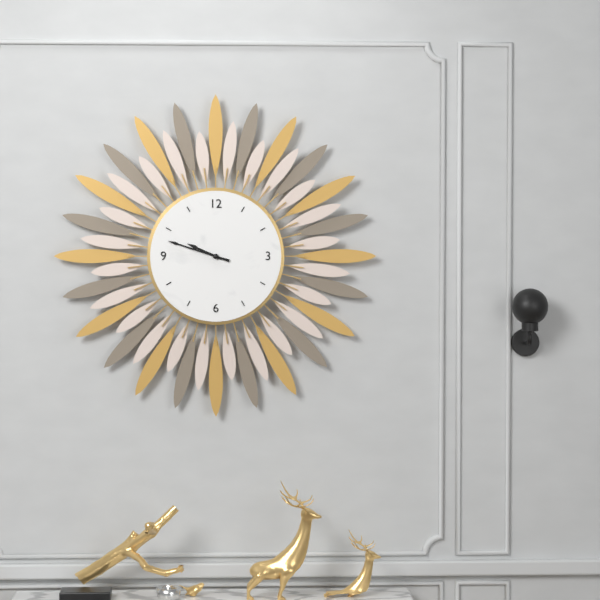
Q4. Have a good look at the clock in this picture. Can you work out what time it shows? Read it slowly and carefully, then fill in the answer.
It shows 9:48
